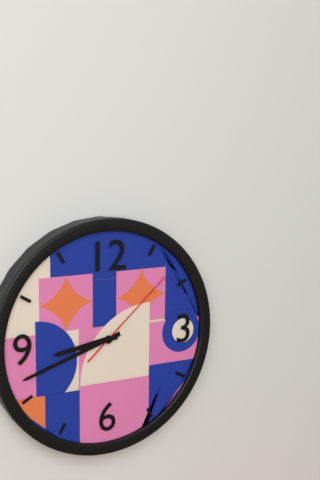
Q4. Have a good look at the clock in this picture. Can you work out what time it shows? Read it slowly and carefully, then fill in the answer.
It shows 8:42:08
